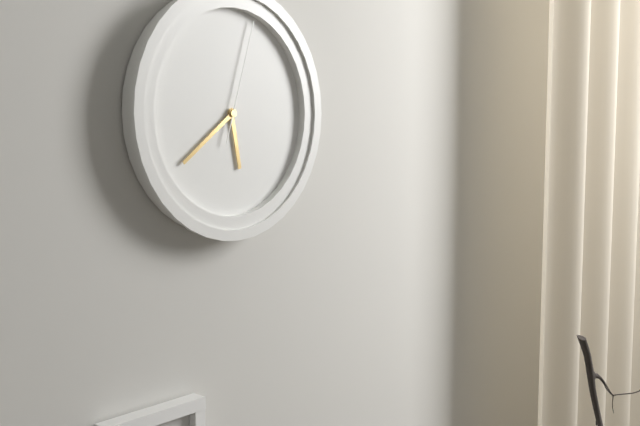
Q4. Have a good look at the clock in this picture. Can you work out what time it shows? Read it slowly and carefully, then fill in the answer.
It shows 5:39:03
